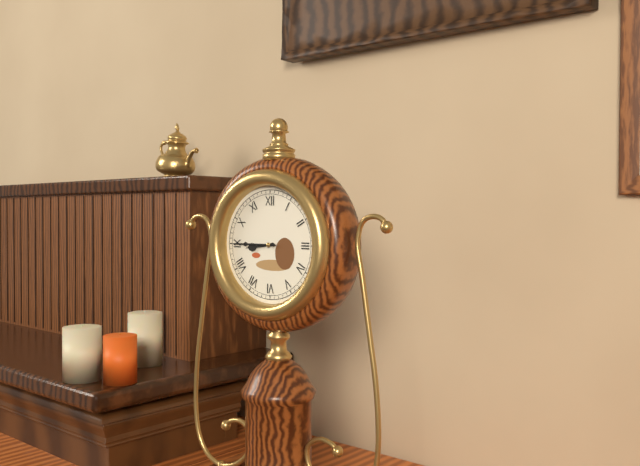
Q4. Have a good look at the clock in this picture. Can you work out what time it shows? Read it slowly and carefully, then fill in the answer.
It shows 8:45
